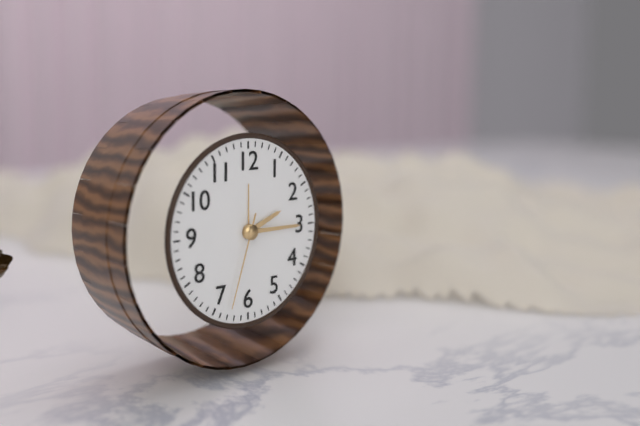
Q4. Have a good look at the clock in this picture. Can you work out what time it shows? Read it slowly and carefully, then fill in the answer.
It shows 2:15:33
